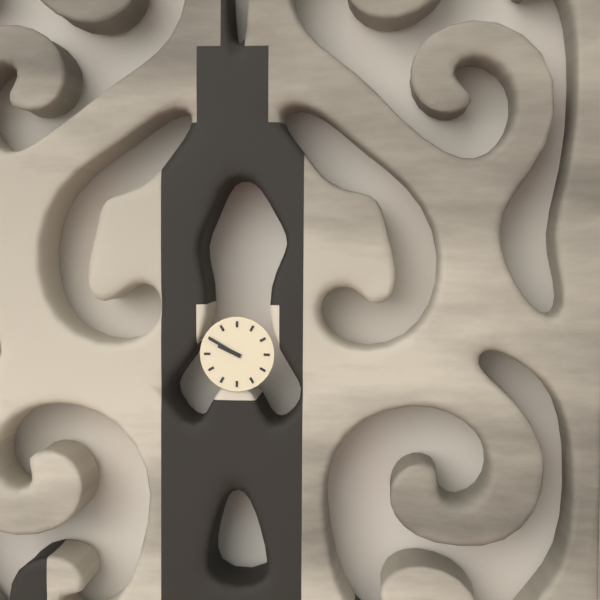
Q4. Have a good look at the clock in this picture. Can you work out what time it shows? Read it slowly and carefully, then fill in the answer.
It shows 9:50
